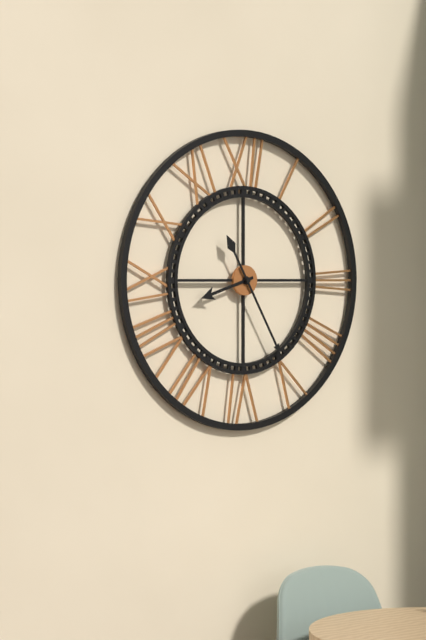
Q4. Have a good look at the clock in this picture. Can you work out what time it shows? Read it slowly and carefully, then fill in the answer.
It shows 8:25
